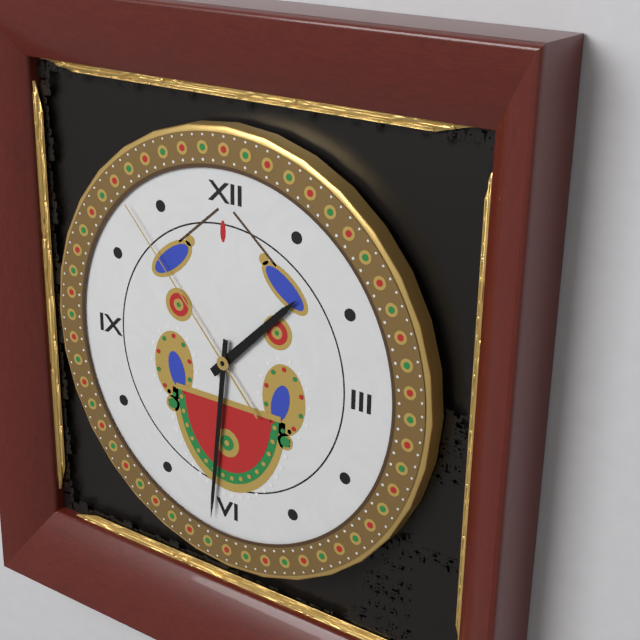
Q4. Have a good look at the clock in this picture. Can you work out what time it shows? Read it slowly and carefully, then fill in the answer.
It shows 1:31:53
